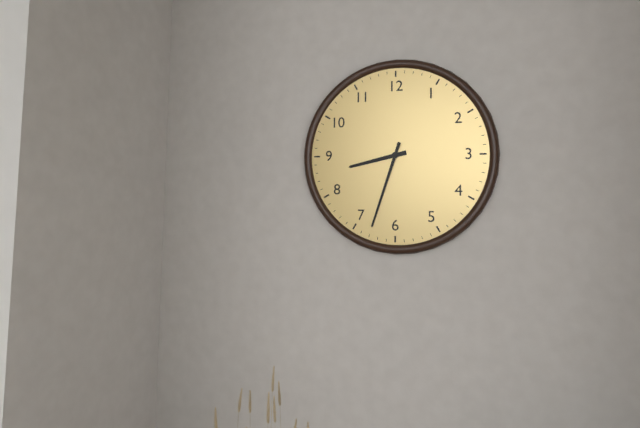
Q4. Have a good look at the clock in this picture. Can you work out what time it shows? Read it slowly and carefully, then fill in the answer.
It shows 8:33
